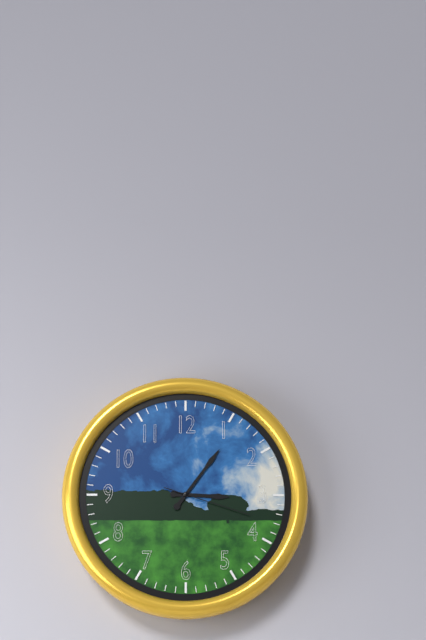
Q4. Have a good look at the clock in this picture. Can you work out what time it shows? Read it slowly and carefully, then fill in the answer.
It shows 3:06:18
